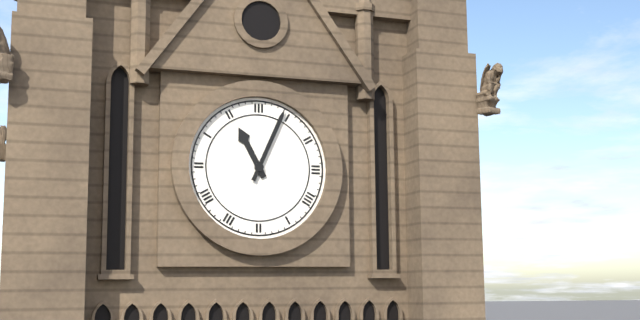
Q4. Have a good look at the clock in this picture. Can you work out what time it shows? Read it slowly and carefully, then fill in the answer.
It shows 11:04
